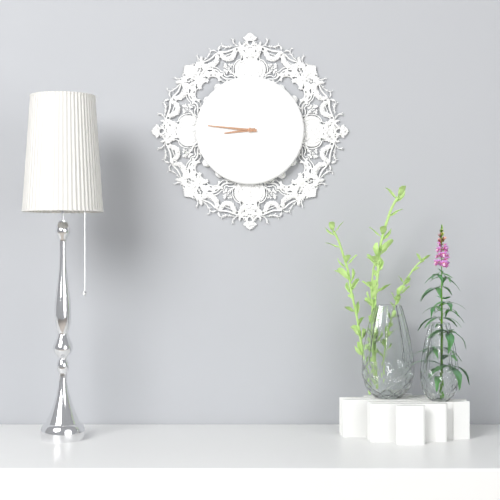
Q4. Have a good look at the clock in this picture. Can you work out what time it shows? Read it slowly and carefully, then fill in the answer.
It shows 8:46
